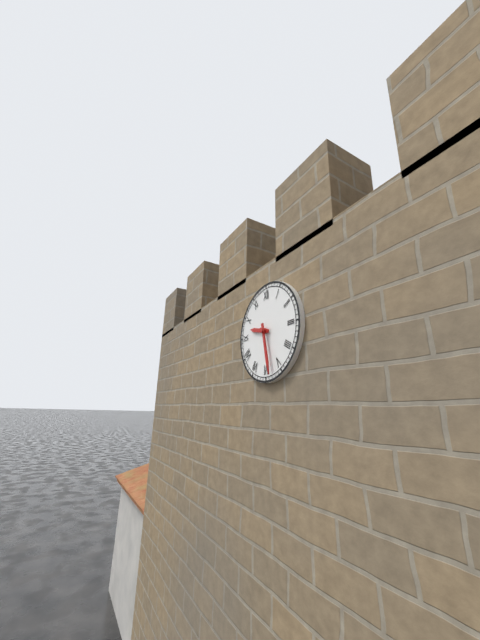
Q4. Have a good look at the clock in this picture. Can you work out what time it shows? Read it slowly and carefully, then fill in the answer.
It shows 9:28
